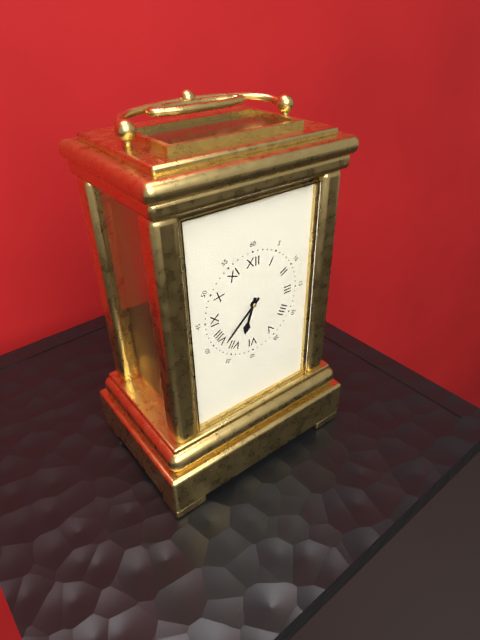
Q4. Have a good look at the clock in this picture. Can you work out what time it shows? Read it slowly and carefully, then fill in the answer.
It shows 6:38
